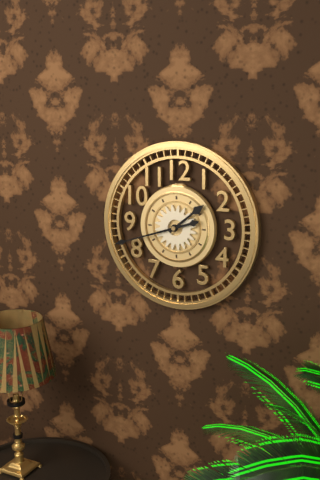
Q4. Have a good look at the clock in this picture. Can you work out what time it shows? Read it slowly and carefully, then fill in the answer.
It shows 1:42
